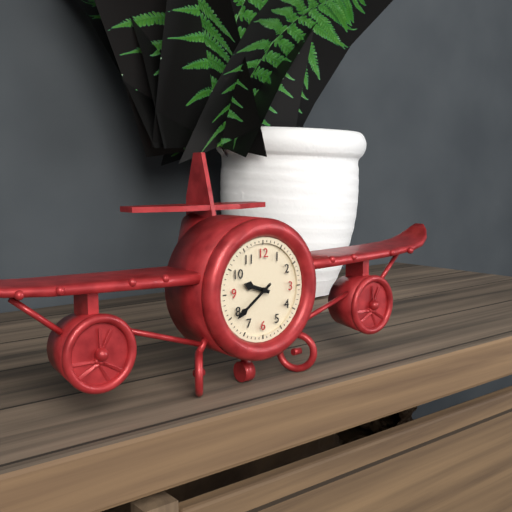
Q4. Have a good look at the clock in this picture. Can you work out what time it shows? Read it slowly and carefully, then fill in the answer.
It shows 9:39
